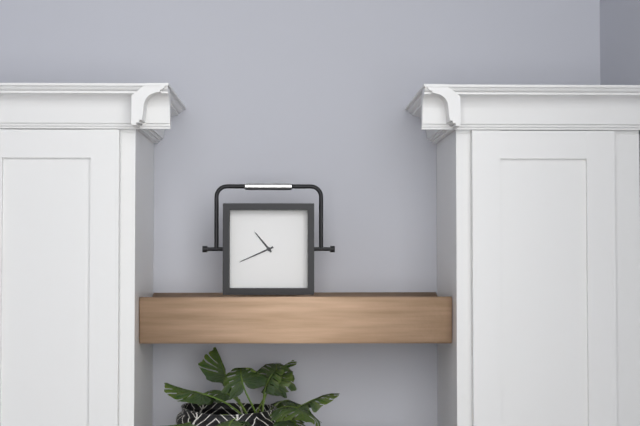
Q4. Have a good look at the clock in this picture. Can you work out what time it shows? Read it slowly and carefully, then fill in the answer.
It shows 10:41
